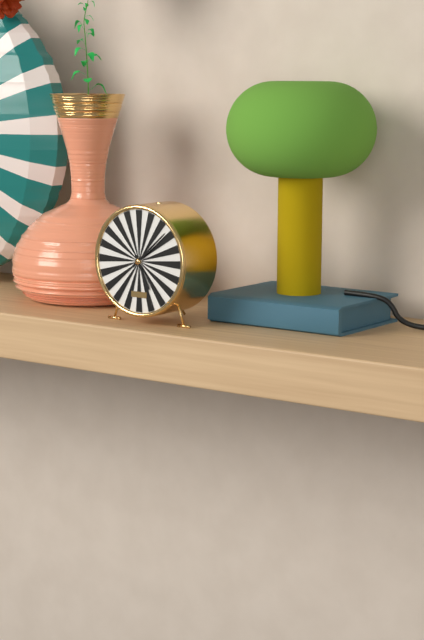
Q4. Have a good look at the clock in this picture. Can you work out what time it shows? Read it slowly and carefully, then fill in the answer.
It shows 5:08
